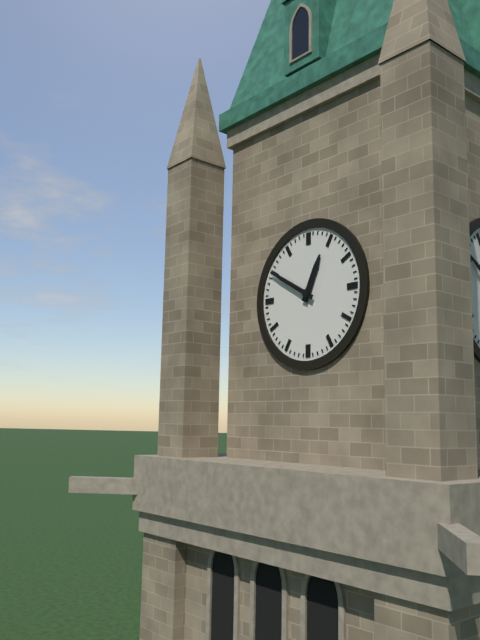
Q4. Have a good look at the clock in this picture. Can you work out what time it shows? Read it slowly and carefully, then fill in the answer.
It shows 12:50
